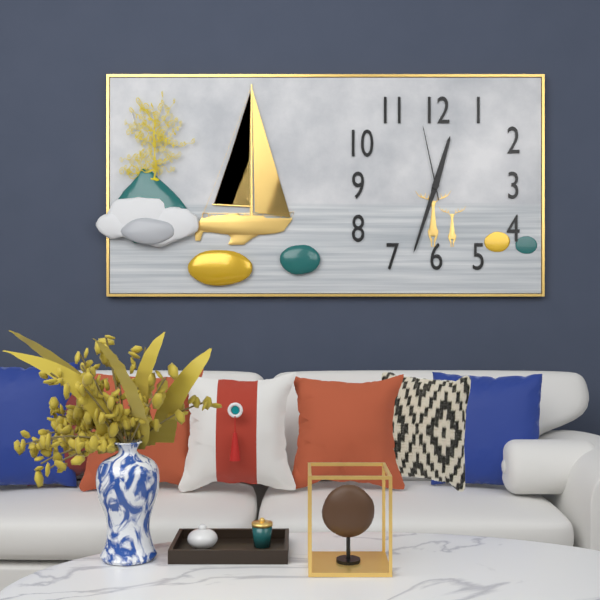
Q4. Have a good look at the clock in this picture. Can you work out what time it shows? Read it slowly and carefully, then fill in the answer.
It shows 12:33:58
